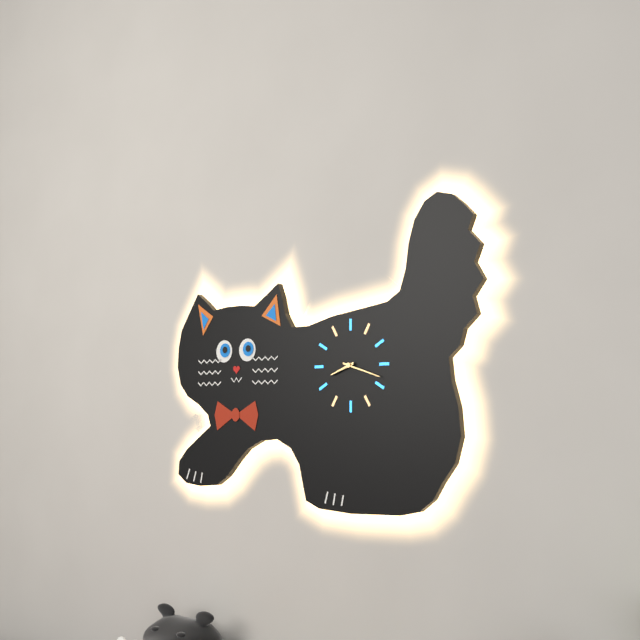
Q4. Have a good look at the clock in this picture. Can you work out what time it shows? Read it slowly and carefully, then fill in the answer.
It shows 8:18
